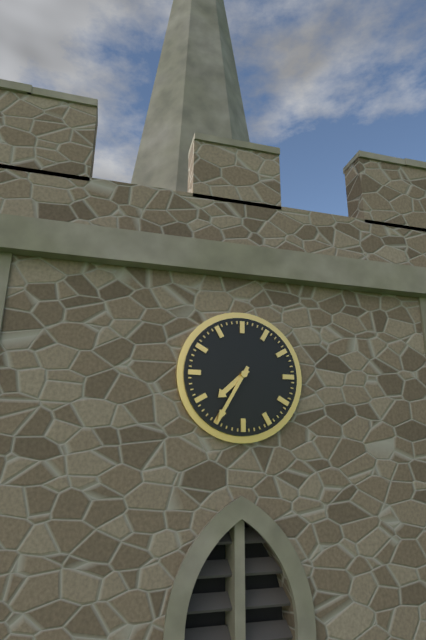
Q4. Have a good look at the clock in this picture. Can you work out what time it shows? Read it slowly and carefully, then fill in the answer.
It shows 7:35
